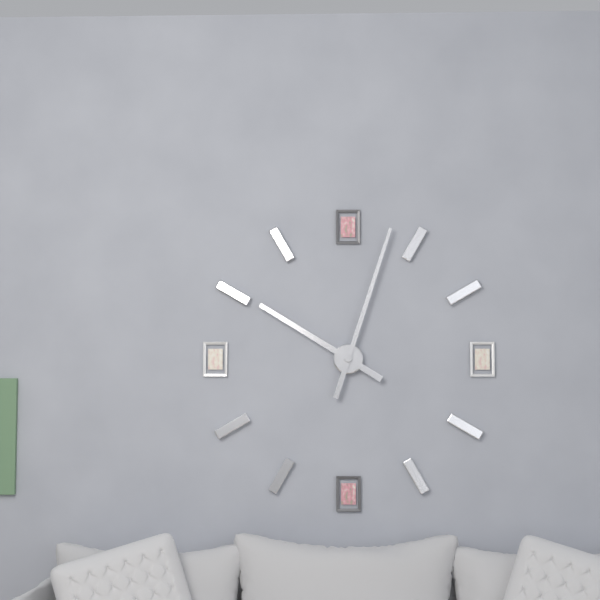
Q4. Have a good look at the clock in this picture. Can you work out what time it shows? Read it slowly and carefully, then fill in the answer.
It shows 10:03
